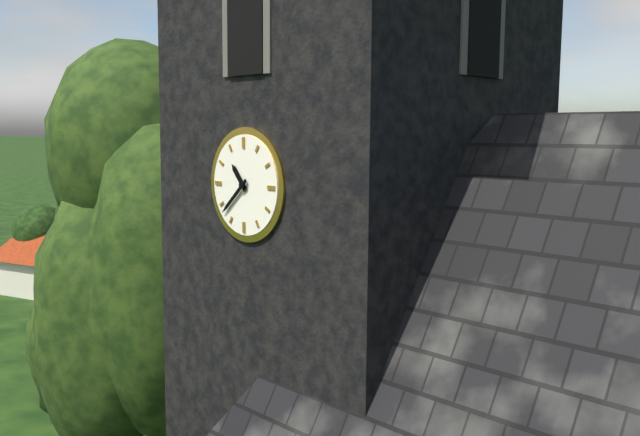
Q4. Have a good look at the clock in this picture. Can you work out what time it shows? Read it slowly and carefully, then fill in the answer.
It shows 10:38
